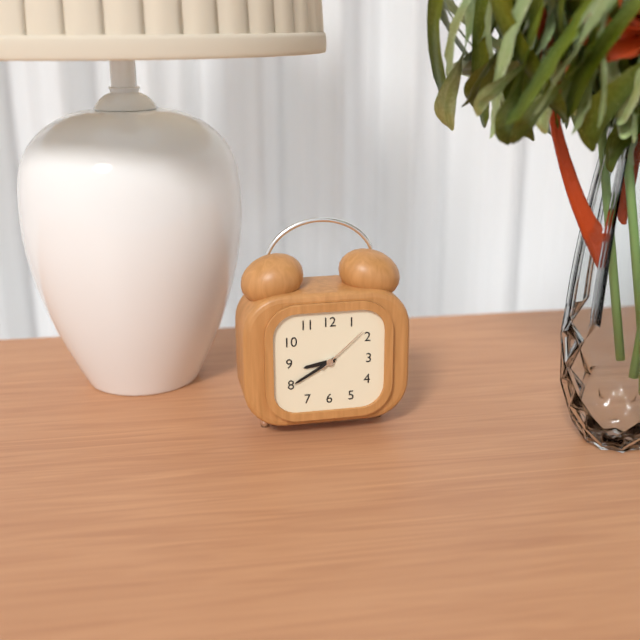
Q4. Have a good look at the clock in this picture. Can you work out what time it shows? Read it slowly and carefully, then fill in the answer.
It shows 8:40:08
